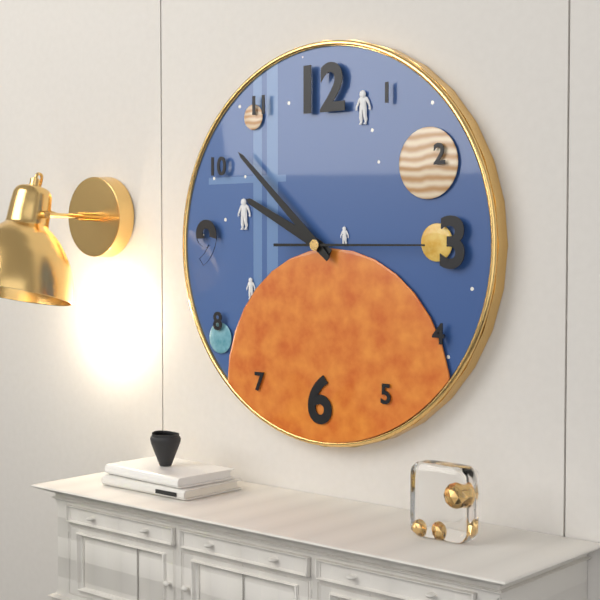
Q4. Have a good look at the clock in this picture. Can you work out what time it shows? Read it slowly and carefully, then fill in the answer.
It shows 9:52:15
